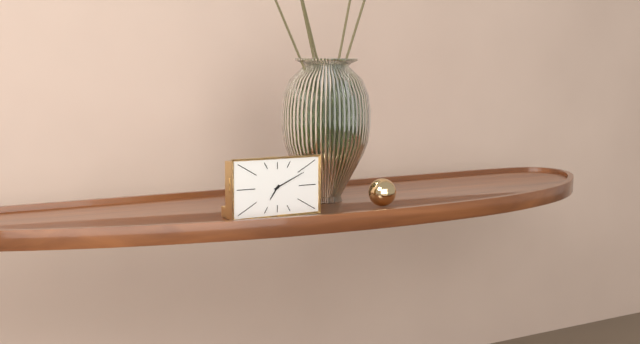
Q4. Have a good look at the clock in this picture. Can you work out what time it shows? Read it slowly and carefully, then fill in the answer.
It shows 7:11
